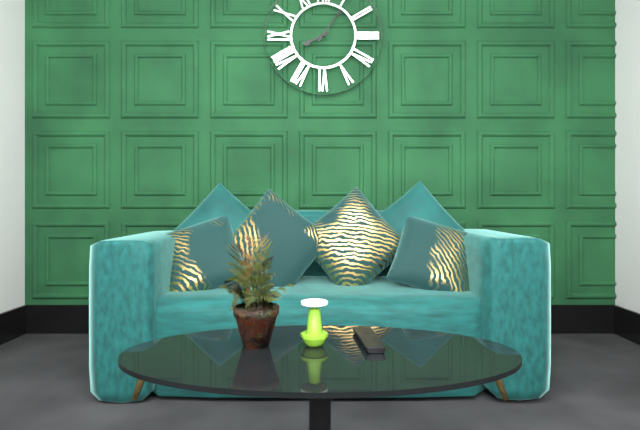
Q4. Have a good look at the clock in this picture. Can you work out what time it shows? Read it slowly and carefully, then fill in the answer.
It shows 8:06
